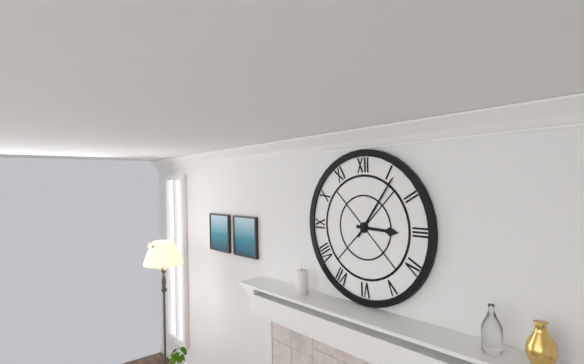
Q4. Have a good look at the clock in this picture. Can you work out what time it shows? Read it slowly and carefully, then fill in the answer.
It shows 3:06
